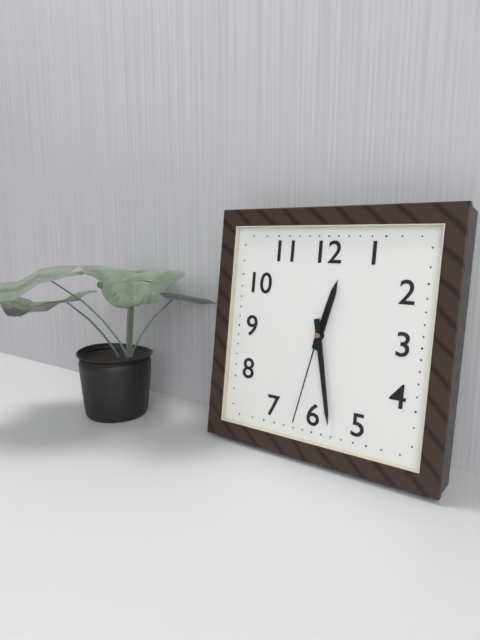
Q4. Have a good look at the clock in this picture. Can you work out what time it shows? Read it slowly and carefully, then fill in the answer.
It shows 12:28:32
